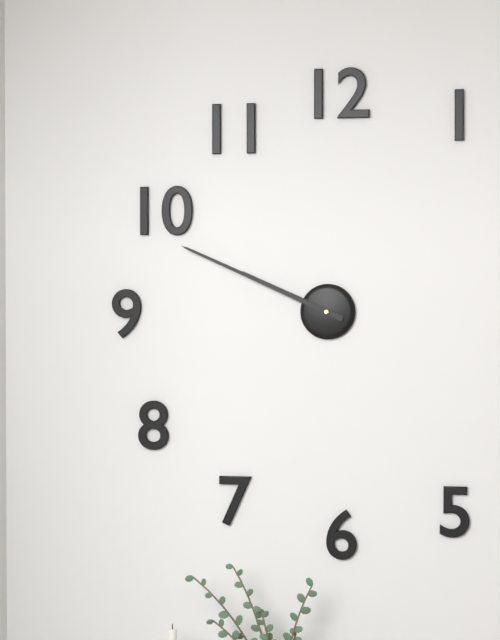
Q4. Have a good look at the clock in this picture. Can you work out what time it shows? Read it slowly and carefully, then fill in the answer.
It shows 9:49
